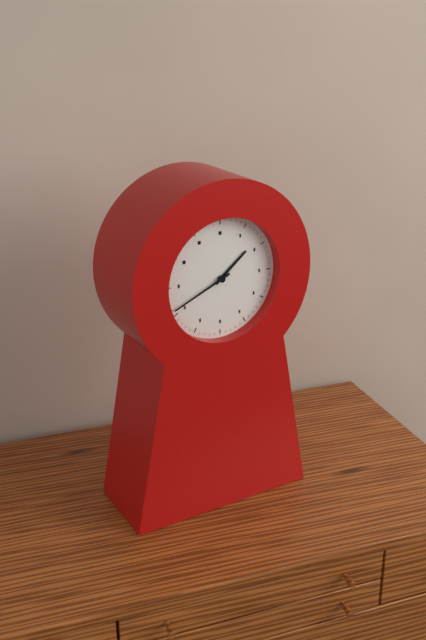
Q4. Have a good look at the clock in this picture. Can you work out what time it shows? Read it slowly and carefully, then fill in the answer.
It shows 1:41
